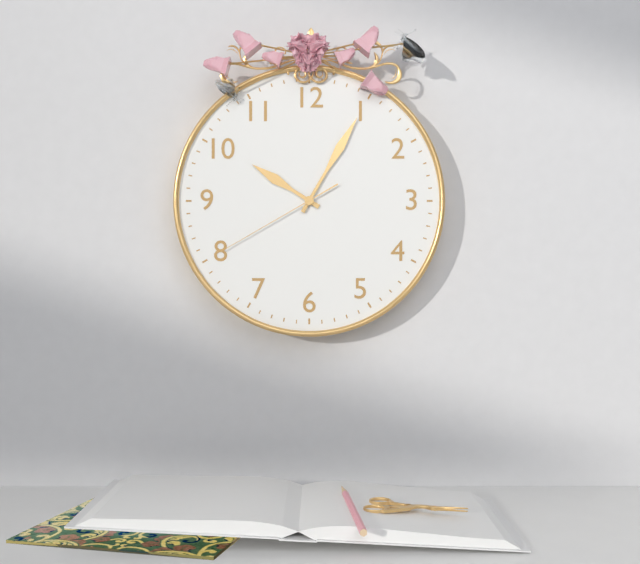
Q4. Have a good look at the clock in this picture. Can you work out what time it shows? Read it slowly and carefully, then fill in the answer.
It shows 10:05:40
